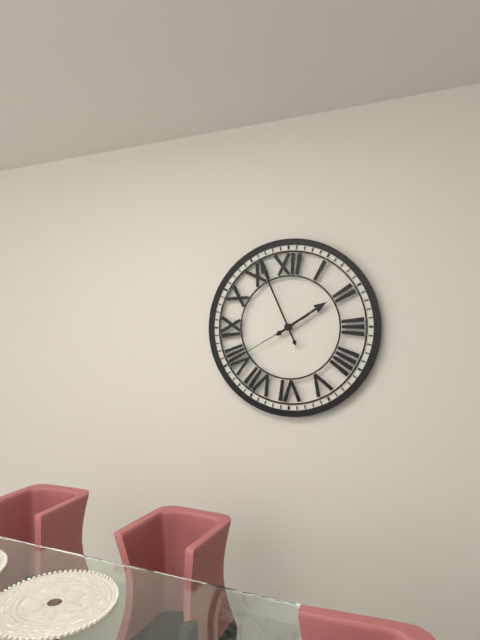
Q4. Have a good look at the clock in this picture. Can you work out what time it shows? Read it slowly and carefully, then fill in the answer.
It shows 1:56:40
